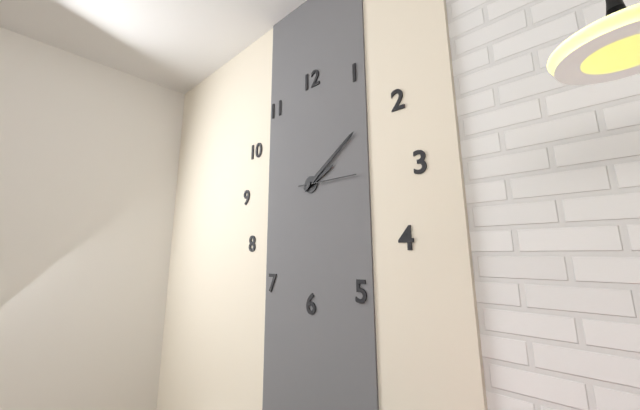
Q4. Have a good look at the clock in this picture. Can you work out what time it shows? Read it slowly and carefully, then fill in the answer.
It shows 2:09:15
